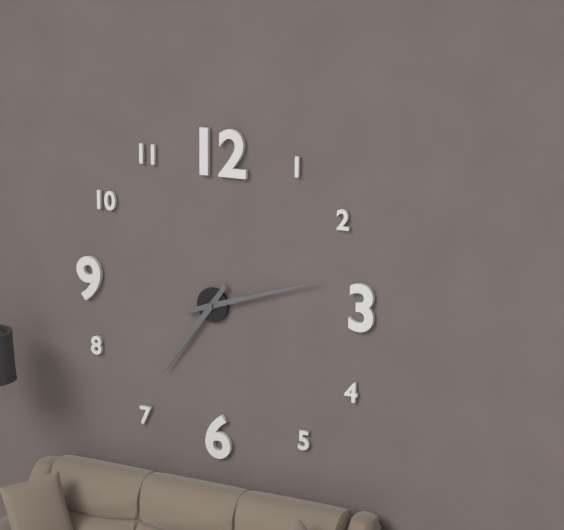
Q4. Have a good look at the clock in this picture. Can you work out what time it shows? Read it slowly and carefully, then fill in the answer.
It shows 7:12
